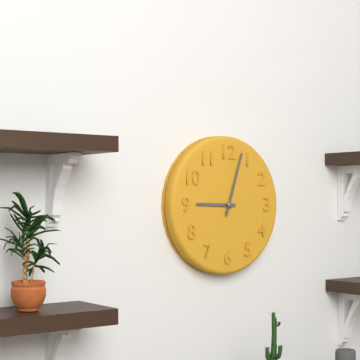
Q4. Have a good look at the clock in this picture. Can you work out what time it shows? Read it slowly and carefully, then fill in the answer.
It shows 9:03
